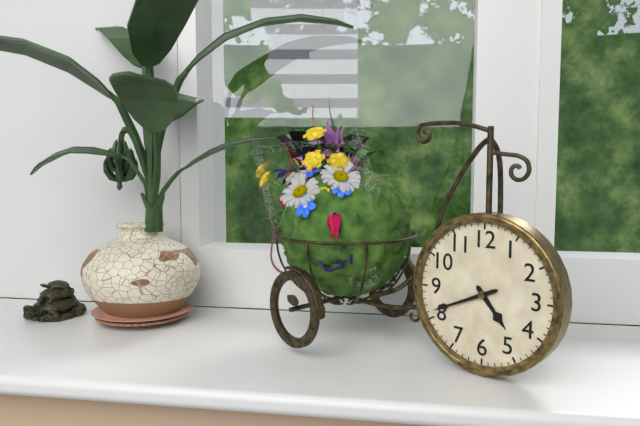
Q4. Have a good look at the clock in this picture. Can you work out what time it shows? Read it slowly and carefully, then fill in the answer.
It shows 4:41
